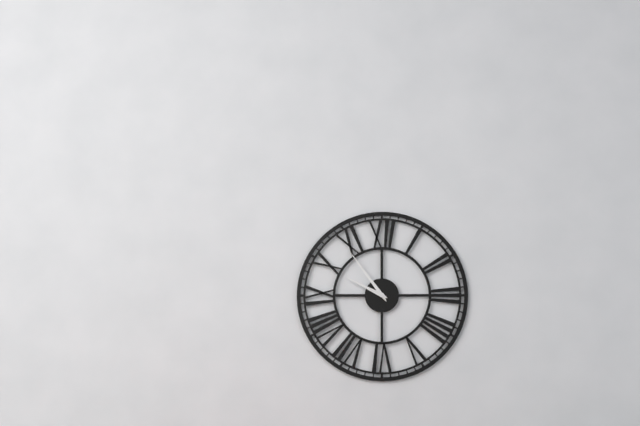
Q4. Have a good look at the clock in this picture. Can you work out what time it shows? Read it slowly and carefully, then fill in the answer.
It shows 9:54
